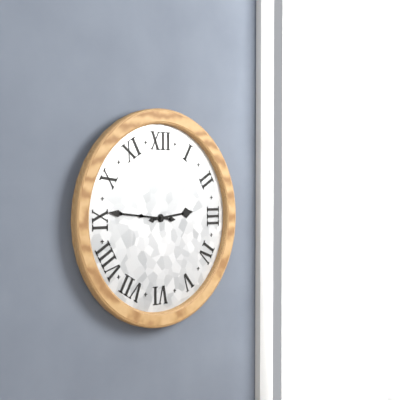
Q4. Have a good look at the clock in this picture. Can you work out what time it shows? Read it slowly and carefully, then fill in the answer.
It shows 2:46
